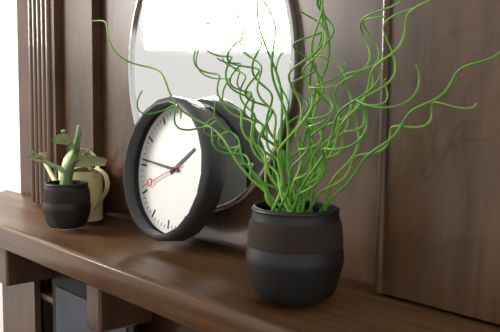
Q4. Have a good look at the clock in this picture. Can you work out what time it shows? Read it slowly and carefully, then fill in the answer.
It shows 1:46:41
